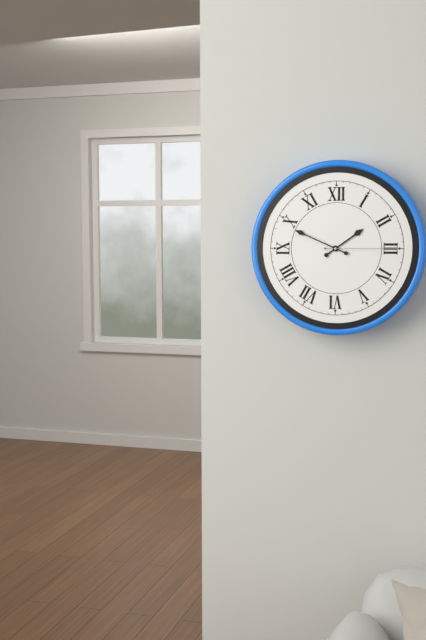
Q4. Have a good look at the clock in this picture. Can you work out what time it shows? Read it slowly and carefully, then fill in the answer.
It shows 1:49:15
